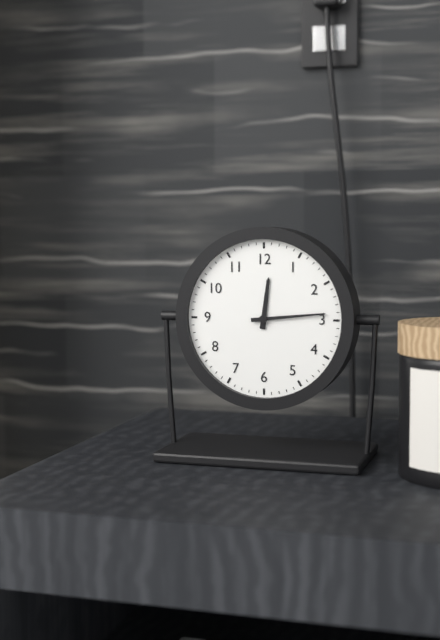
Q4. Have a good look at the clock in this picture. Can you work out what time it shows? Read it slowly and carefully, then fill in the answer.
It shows 12:14
